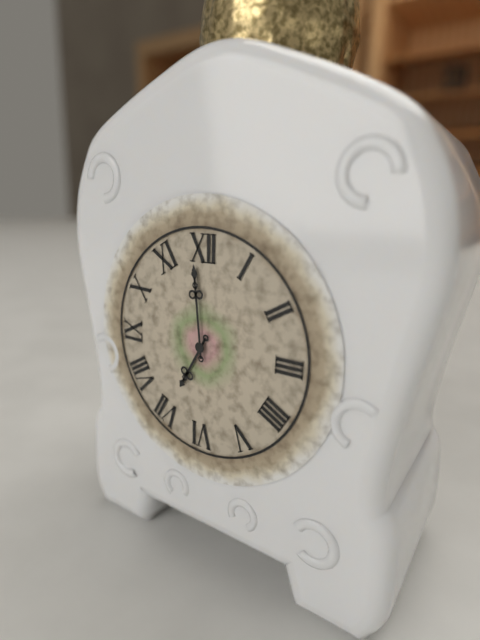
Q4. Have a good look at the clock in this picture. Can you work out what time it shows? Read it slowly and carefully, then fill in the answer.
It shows 6:59
